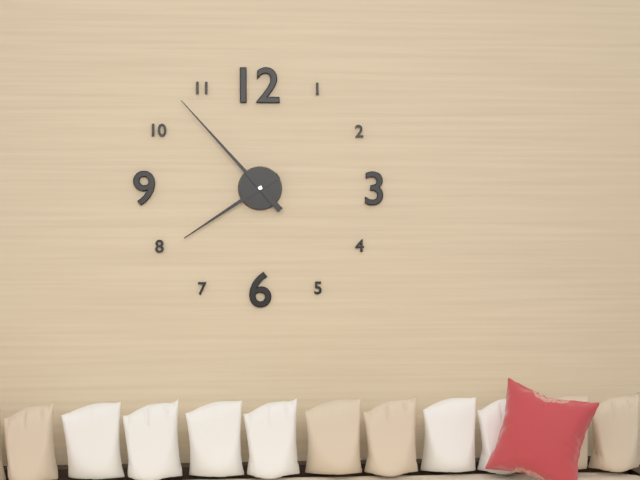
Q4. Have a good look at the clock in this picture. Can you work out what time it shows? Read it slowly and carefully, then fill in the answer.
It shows 7:53
